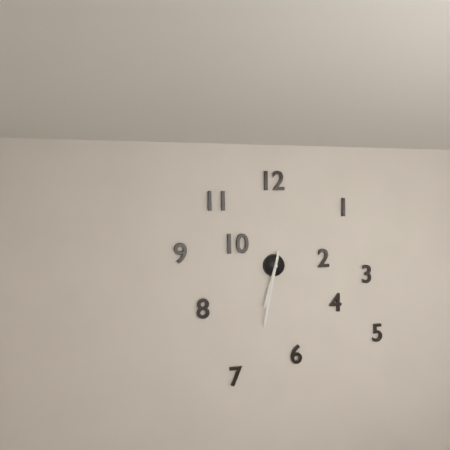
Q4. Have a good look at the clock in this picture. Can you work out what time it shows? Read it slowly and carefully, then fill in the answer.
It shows 6:32
